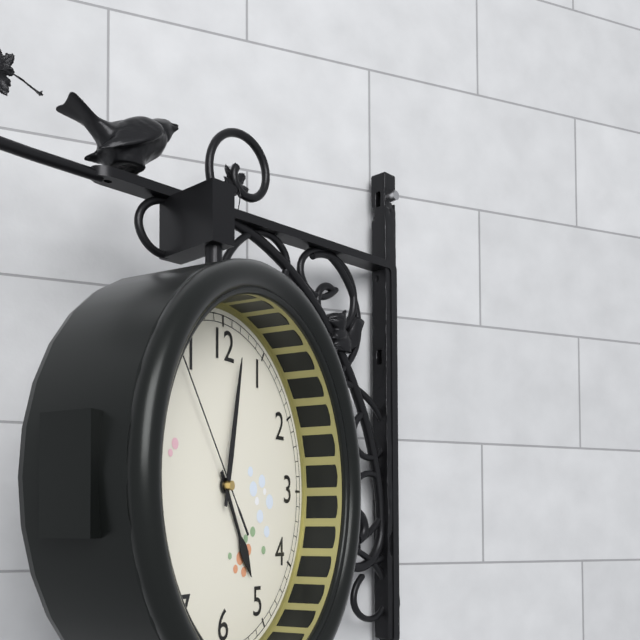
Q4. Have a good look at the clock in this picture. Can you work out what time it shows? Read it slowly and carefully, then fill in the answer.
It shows 5:02:54
